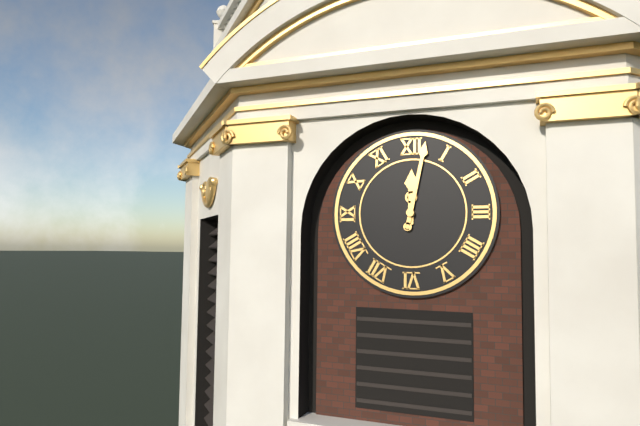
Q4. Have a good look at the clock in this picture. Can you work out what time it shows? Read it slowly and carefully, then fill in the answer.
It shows 12:02
